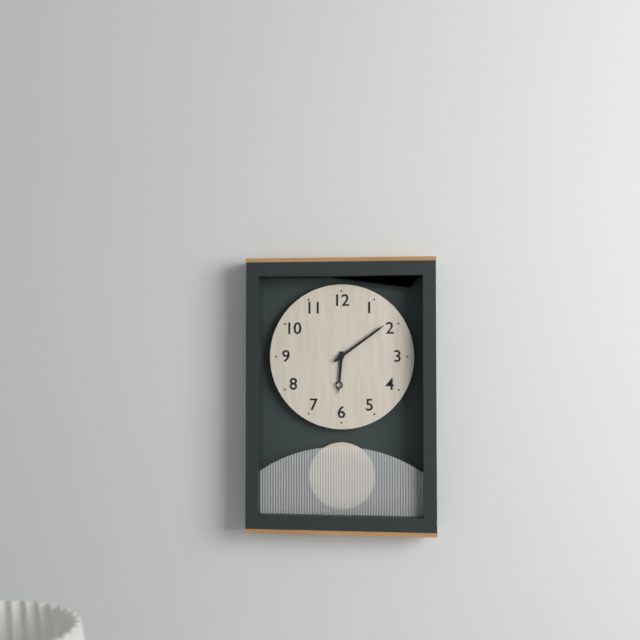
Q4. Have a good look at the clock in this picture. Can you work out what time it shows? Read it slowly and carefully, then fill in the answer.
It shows 6:09
